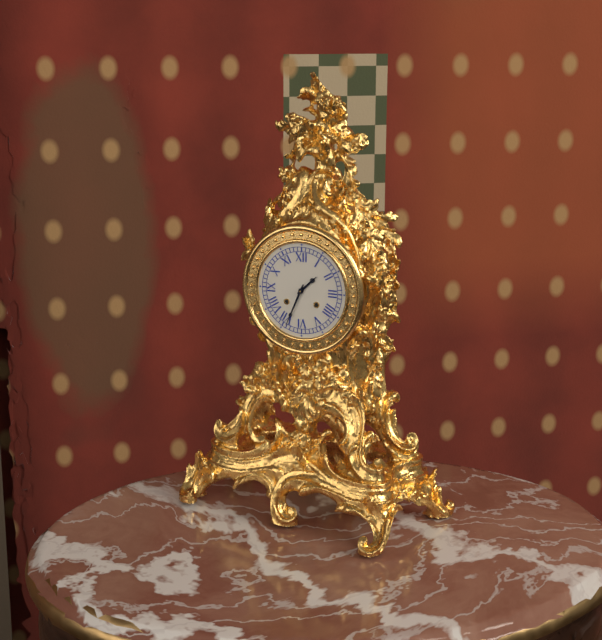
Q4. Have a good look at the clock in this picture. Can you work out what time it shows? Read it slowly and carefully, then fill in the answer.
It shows 1:34
